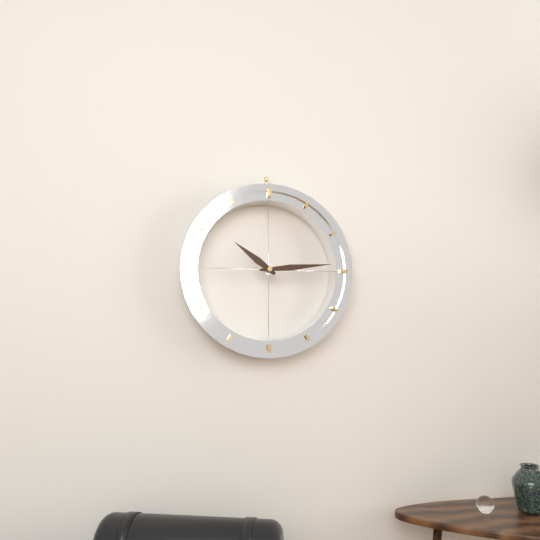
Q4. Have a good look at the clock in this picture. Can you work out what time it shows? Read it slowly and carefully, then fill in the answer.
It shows 10:14
